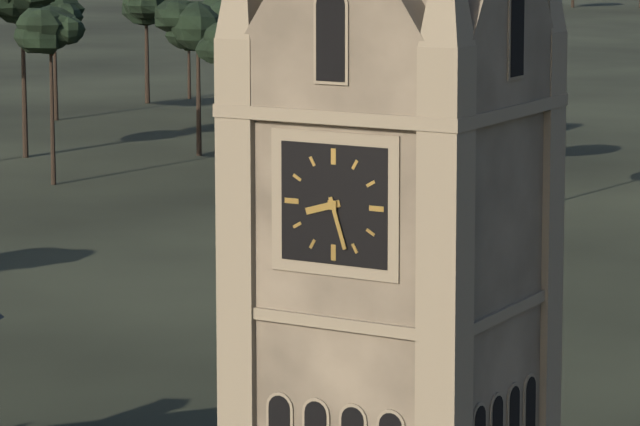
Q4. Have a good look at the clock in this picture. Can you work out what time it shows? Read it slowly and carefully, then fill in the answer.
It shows 8:27
